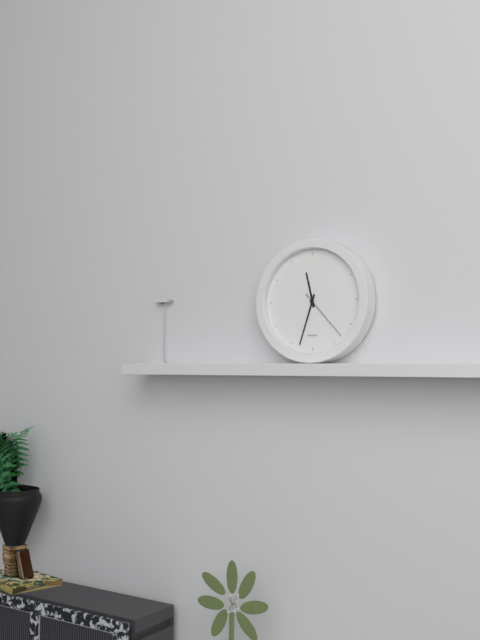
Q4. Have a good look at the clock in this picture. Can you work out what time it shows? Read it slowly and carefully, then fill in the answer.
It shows 11:33:23
